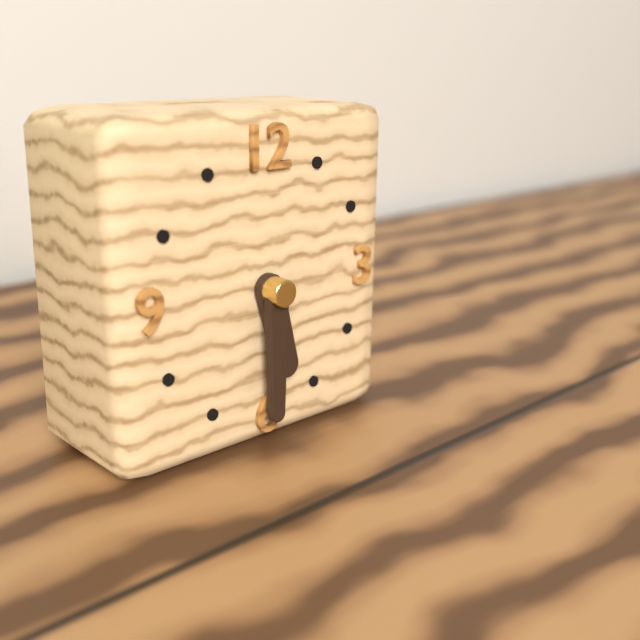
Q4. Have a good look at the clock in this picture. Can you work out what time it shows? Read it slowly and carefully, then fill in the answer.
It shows 5:30
